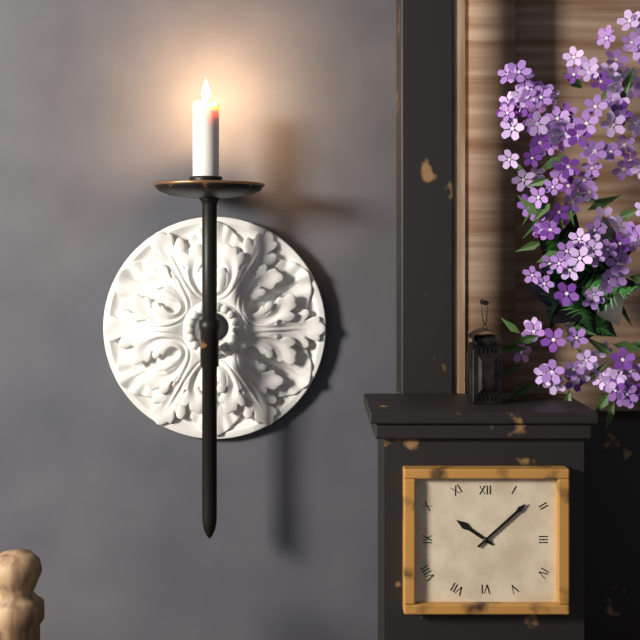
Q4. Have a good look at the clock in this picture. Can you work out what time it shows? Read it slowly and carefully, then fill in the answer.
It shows 10:08
